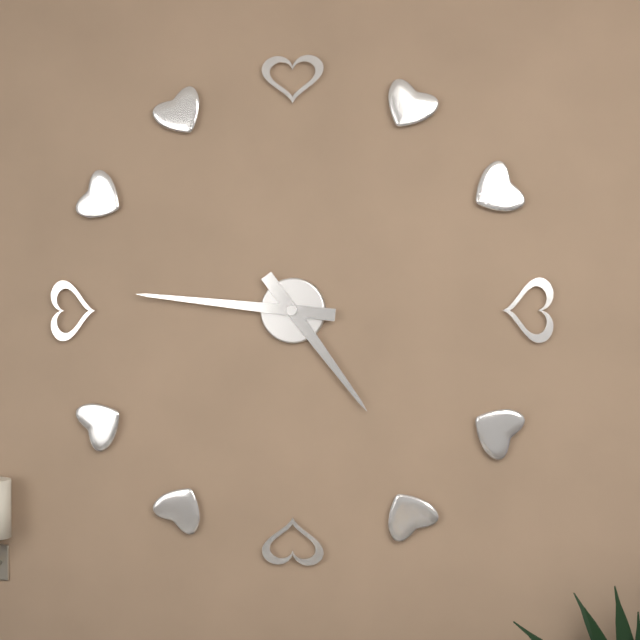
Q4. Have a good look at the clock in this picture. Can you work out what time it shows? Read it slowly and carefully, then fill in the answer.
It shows 4:46
